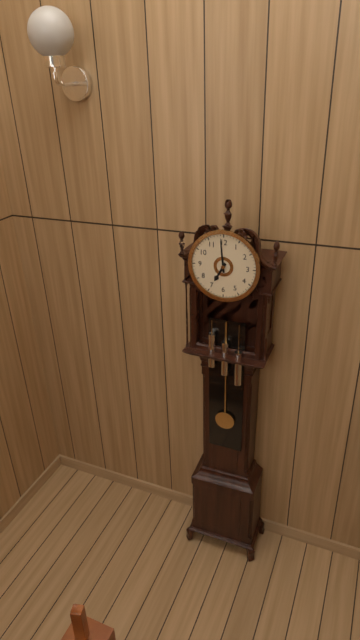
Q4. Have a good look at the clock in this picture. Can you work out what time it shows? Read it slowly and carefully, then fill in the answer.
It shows 6:59
